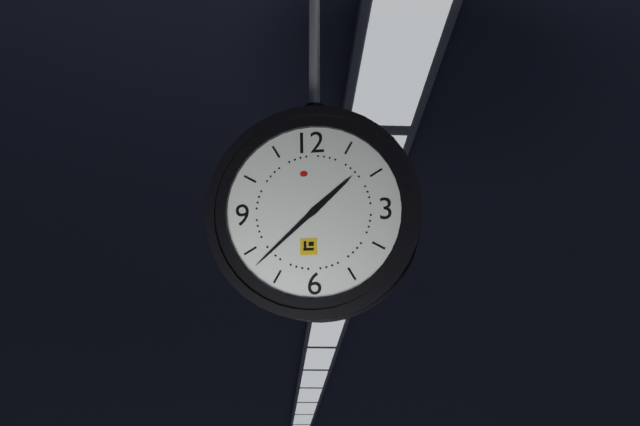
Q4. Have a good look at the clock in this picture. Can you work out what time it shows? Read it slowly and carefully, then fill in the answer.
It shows 1:38
